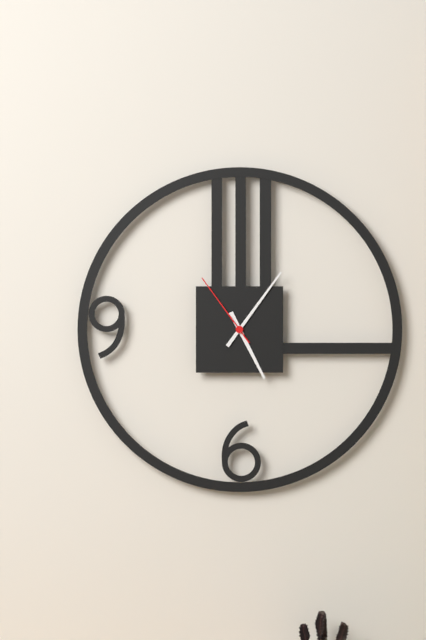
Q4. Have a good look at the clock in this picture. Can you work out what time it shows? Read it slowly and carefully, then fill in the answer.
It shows 5:06:54
